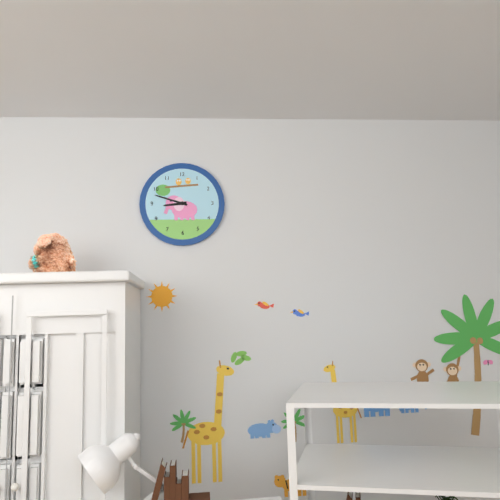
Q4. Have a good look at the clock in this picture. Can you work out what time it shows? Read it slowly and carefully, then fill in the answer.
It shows 8:48
